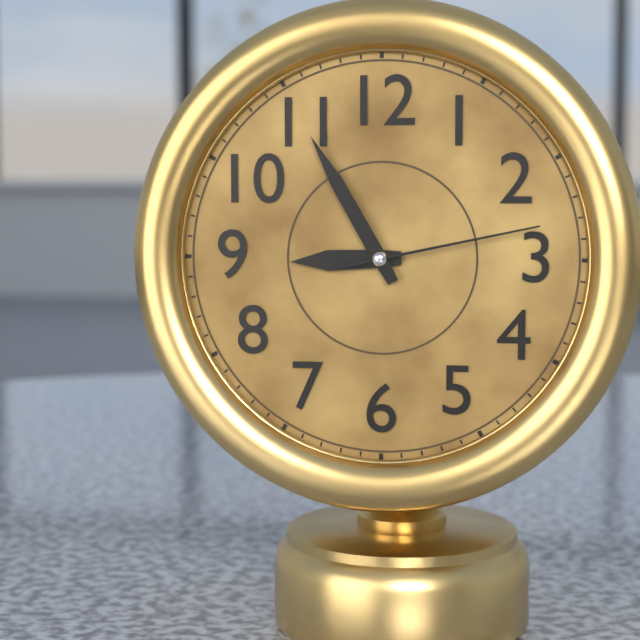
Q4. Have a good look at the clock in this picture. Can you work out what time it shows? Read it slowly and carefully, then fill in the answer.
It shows 8:55:13
